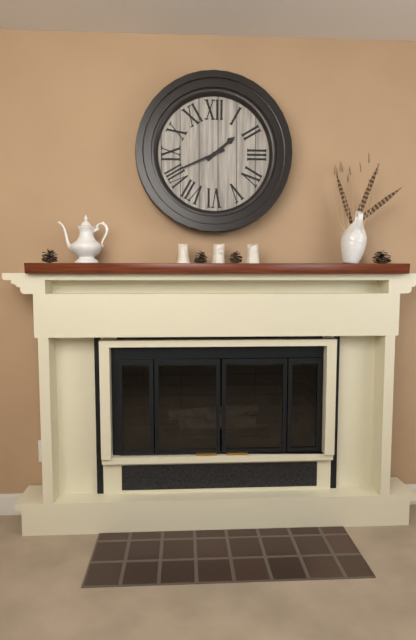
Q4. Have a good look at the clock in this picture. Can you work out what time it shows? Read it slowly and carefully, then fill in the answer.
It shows 1:41
